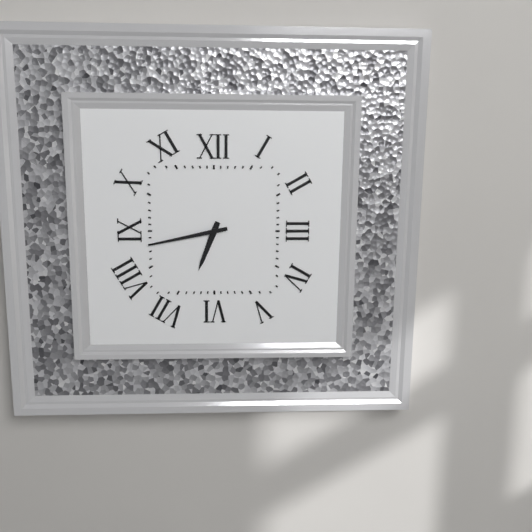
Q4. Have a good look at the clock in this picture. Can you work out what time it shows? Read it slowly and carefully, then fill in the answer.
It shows 6:43
